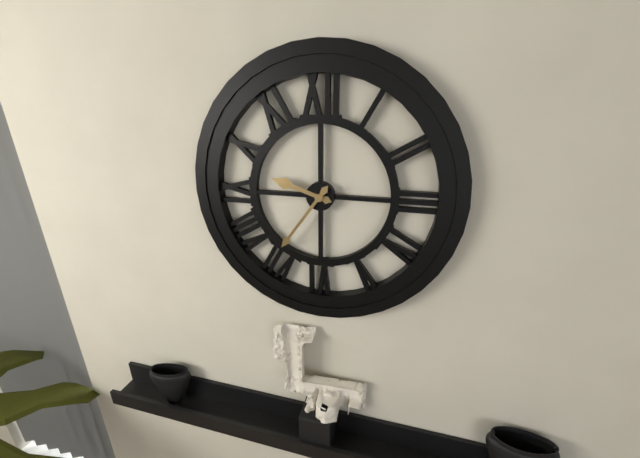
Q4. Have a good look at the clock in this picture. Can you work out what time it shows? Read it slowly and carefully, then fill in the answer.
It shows 9:36
